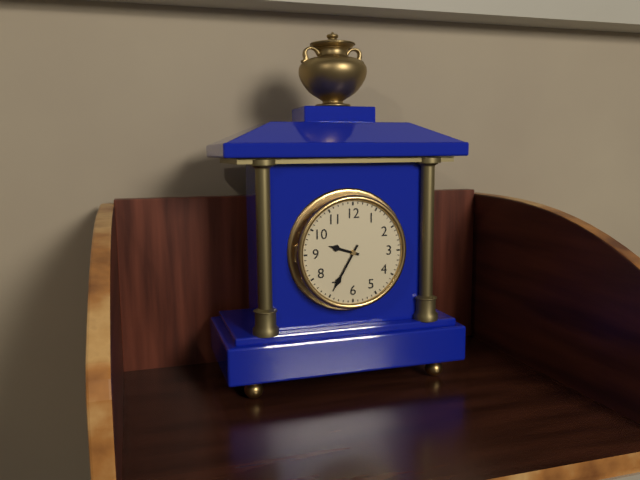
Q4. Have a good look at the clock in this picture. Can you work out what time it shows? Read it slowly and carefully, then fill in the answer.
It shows 9:35
